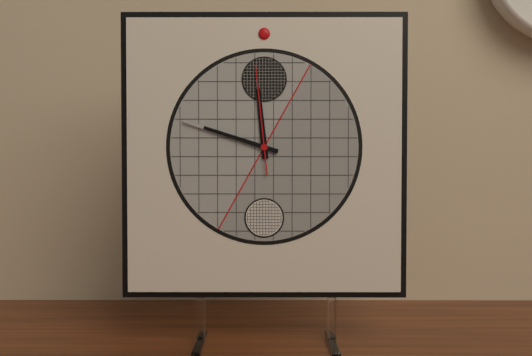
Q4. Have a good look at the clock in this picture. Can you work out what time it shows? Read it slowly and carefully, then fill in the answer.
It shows 11:48:59
